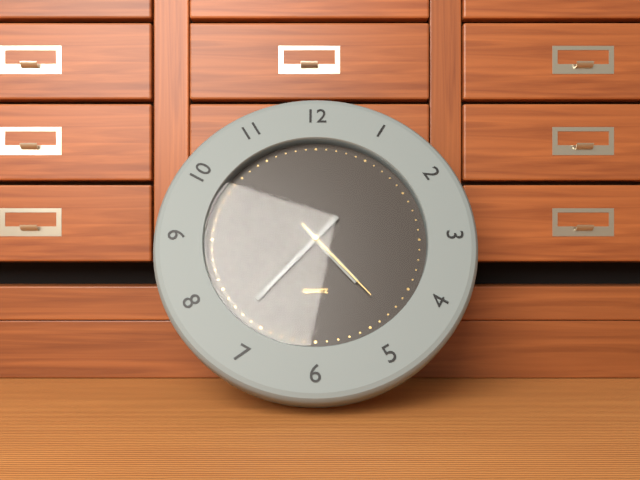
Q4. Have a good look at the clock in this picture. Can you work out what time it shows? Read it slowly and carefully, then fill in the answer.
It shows 4:37:23
